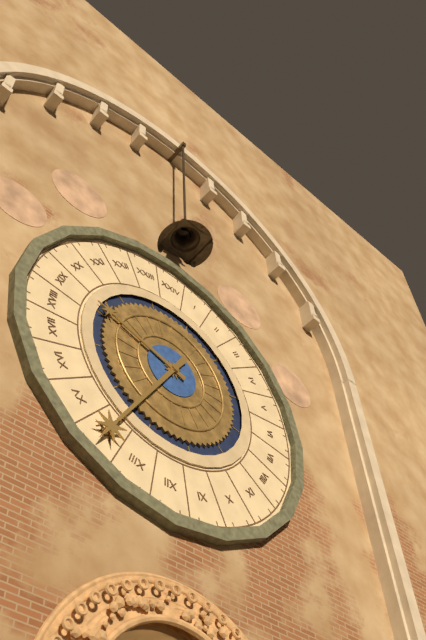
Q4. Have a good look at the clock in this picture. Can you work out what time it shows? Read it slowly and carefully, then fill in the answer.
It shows 9:35
